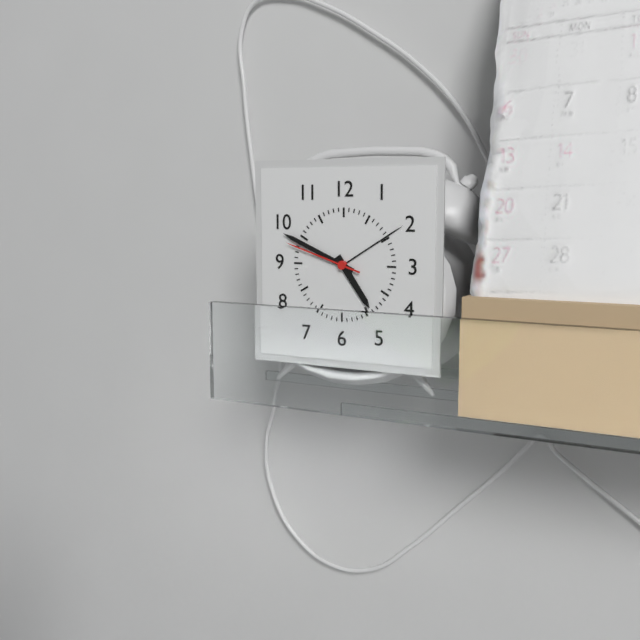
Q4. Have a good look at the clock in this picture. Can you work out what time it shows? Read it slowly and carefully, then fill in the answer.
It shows 4:49:48
